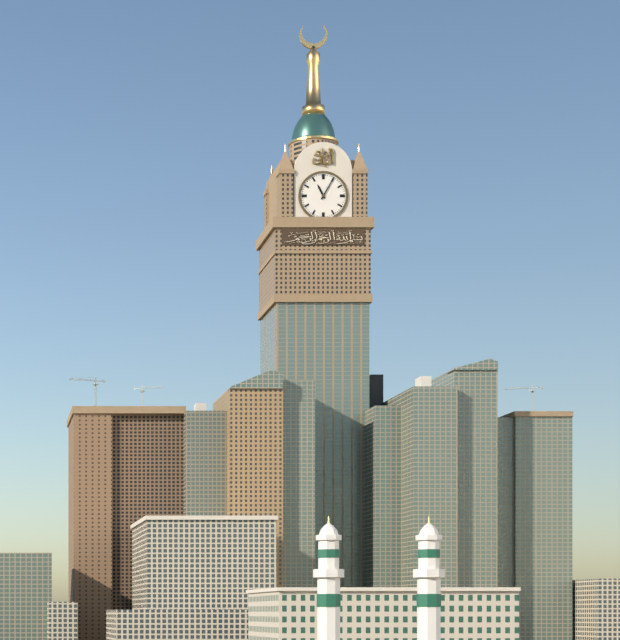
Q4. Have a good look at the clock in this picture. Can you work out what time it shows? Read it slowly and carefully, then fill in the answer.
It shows 11:05
